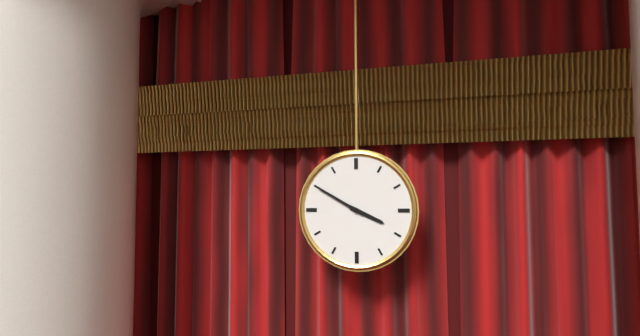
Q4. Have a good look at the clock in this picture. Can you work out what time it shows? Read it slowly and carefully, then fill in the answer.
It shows 3:50
